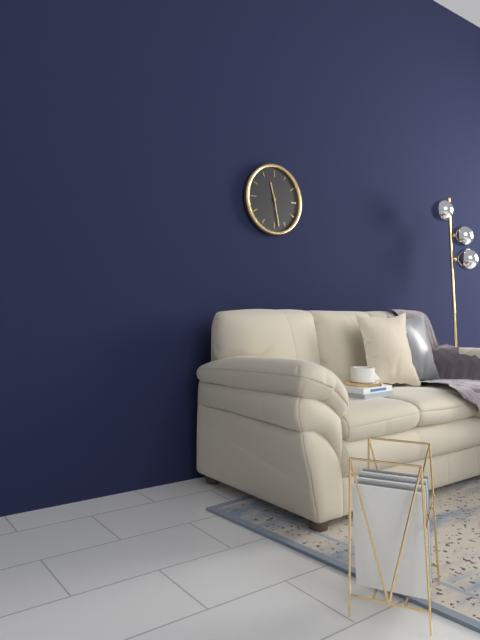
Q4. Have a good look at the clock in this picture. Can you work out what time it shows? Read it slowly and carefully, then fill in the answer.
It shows 11:28
